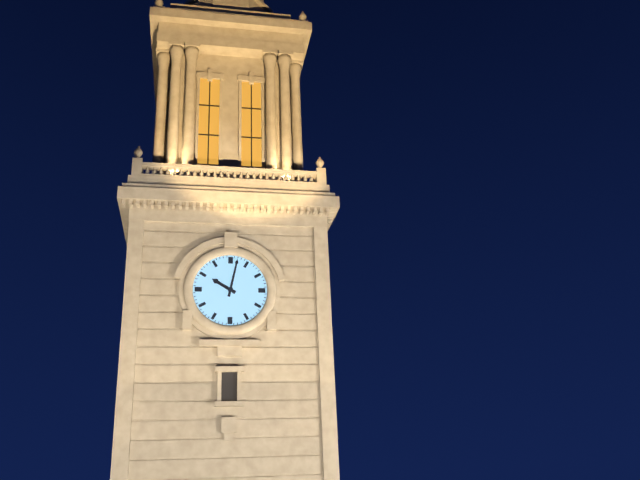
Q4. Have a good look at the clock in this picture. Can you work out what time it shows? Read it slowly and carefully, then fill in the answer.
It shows 10:02
